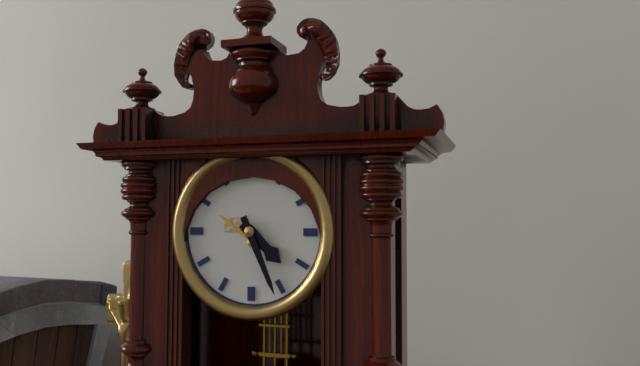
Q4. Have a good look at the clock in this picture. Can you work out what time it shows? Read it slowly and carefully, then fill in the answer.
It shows 4:26
